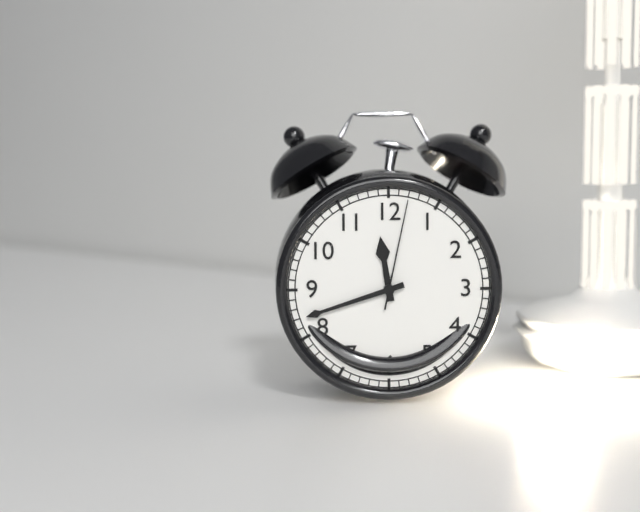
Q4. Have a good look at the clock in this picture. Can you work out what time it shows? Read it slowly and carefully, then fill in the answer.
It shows 11:42:02
